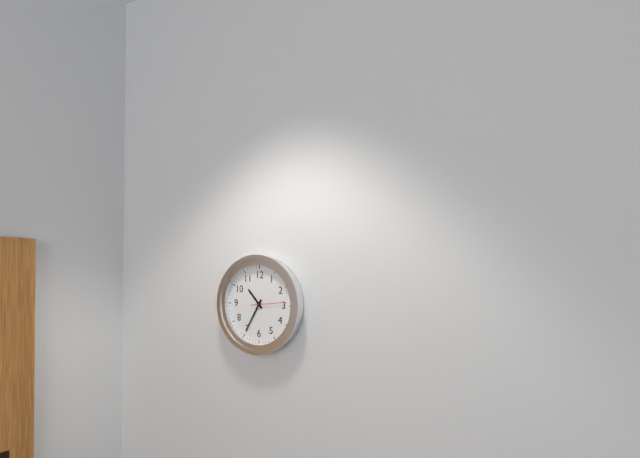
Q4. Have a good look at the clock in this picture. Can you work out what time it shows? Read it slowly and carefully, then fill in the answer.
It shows 10:35
